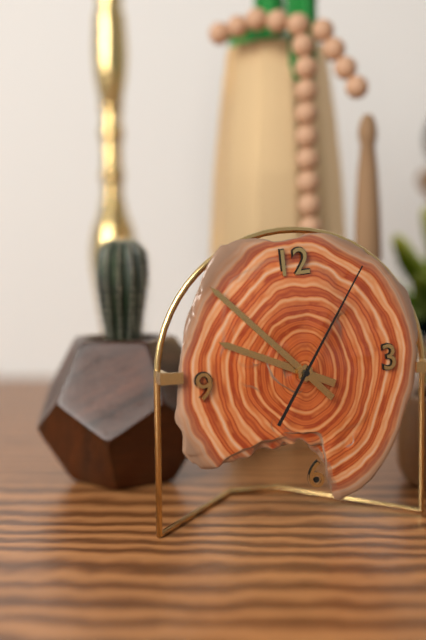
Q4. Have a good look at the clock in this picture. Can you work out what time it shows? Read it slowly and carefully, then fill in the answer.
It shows 9:53:06
